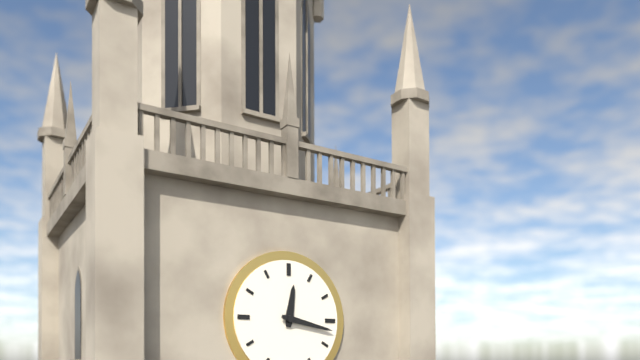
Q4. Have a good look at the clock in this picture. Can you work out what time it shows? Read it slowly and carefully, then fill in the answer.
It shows 12:17
